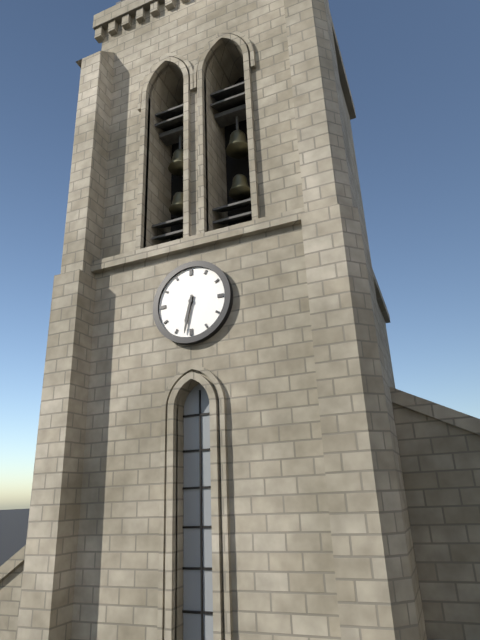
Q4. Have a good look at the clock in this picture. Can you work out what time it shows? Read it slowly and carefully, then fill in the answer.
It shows 6:32
